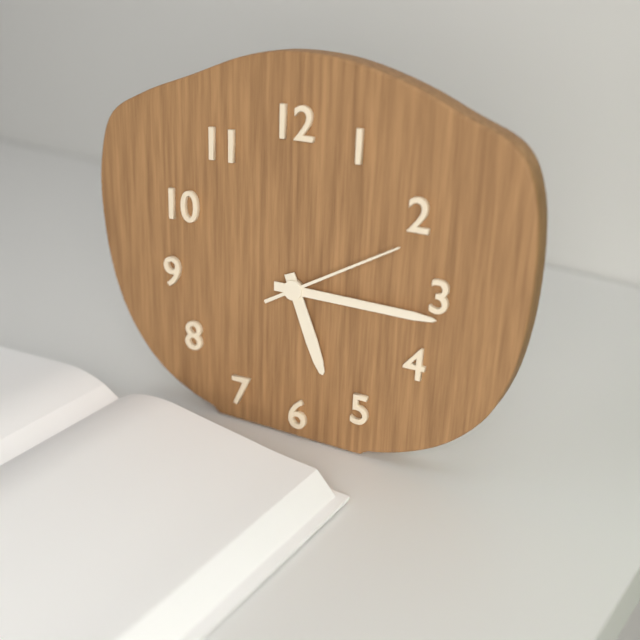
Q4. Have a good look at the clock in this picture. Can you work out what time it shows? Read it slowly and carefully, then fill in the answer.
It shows 5:15:10
